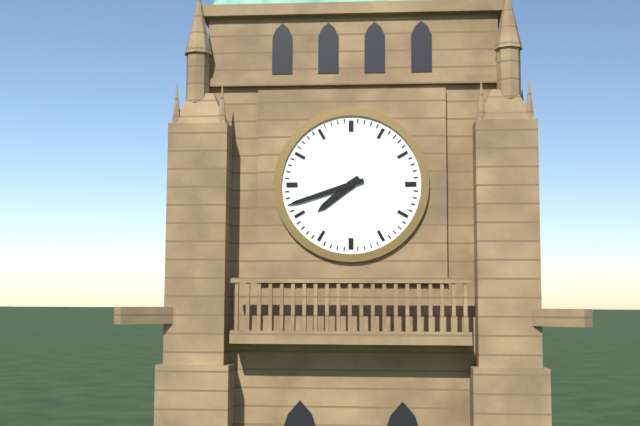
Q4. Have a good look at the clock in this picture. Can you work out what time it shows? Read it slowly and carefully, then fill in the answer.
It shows 7:42
